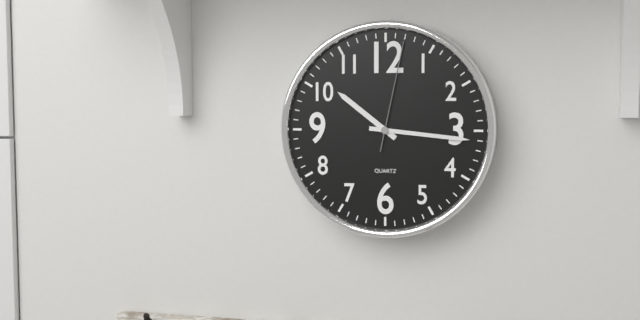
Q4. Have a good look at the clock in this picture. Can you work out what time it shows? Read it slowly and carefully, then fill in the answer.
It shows 10:16:02
